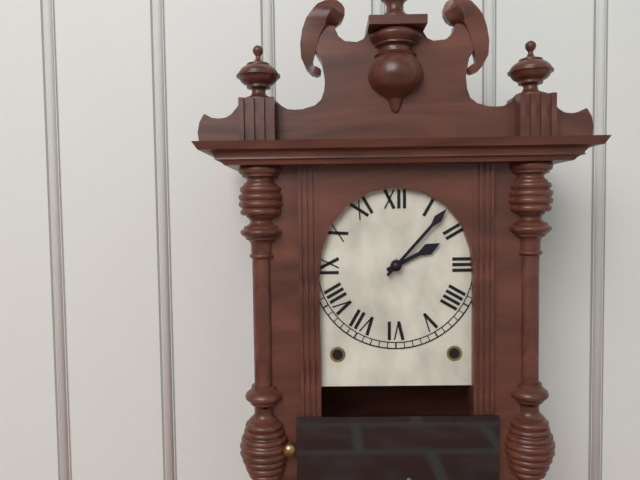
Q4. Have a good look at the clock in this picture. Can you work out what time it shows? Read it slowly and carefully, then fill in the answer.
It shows 2:07
